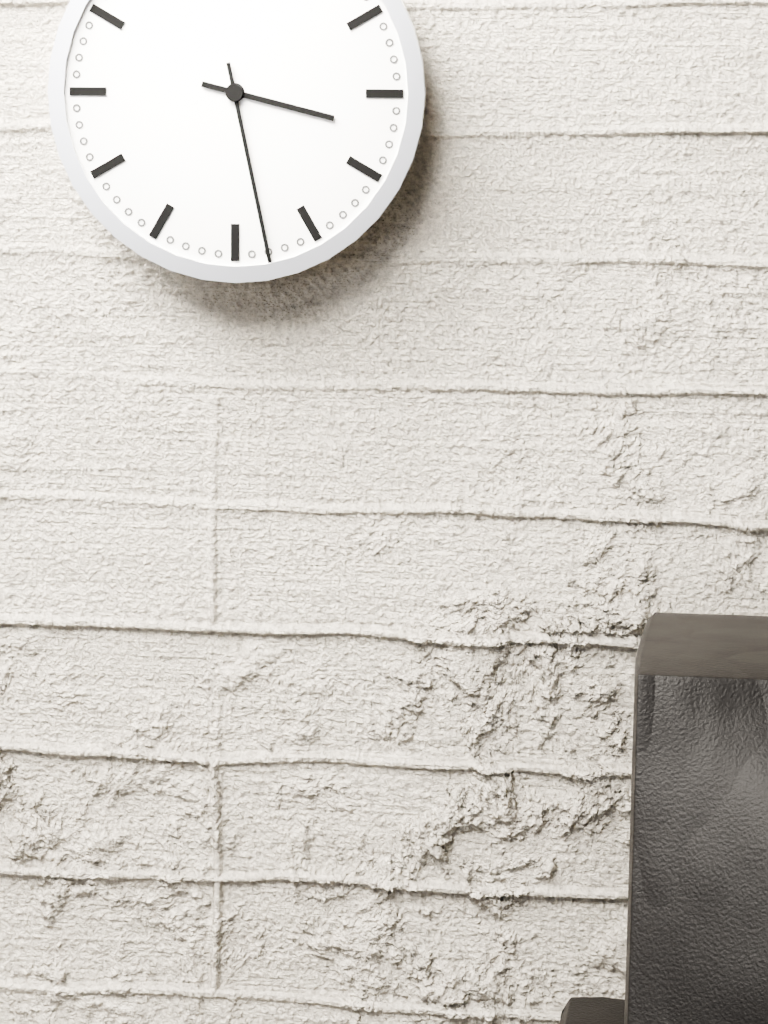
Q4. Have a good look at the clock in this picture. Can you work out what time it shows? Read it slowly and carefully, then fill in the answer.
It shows 3:28
